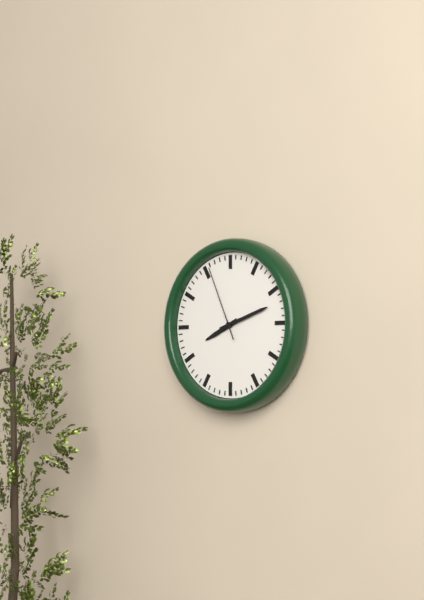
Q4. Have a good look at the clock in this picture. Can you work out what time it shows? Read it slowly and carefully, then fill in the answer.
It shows 8:12:56
